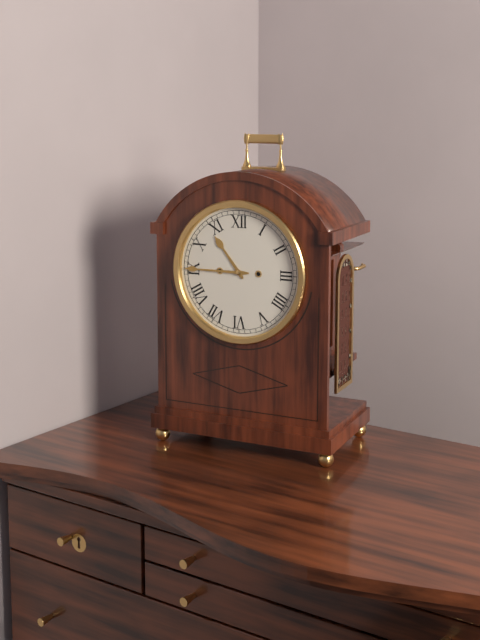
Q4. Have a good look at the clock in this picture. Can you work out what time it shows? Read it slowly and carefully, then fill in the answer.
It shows 10:45
